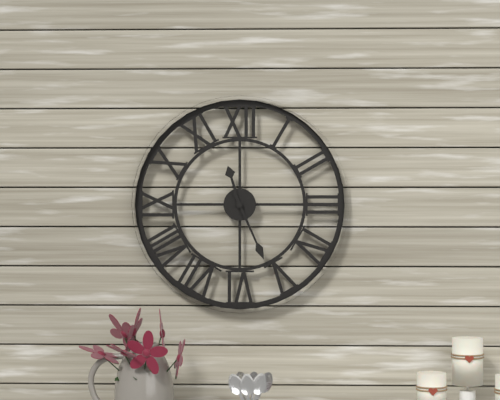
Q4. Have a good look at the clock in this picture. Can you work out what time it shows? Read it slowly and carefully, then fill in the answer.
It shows 11:26
